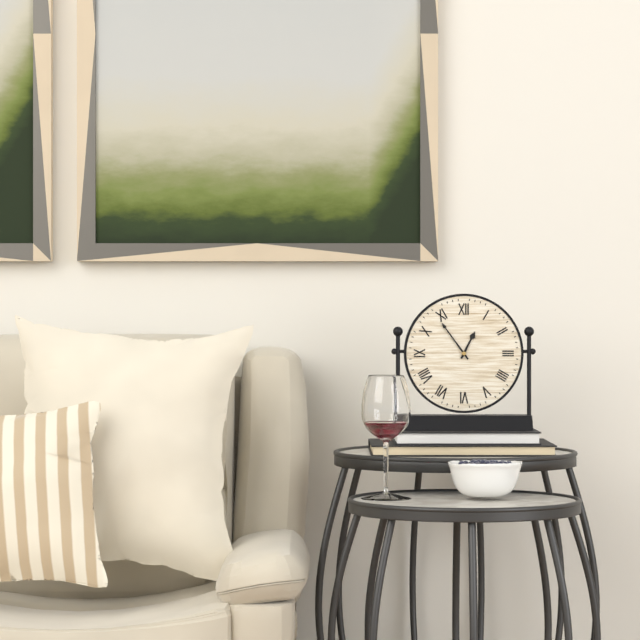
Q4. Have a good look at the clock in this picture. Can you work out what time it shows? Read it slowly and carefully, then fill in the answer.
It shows 12:54
